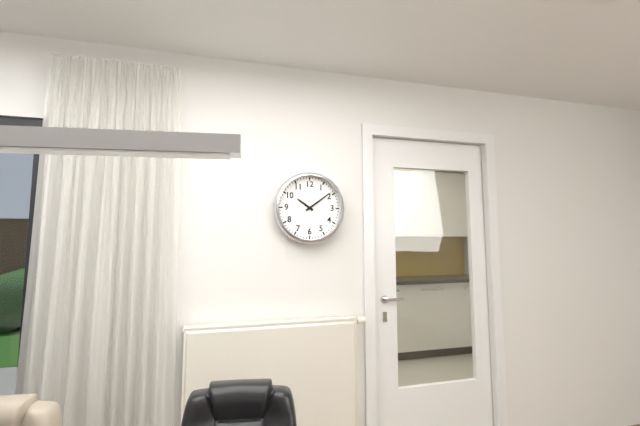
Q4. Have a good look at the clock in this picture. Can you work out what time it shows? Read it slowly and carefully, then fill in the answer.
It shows 10:09
